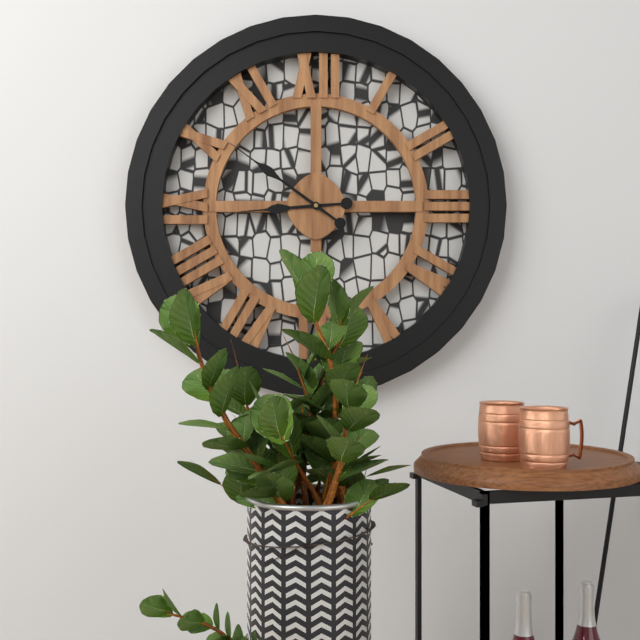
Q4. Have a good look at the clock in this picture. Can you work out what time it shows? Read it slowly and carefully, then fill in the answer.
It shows 8:51
